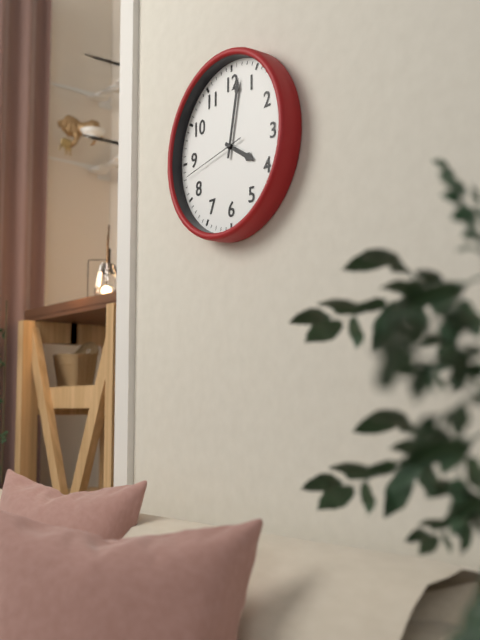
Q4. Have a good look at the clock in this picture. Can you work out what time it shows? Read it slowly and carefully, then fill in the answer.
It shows 4:02:43
